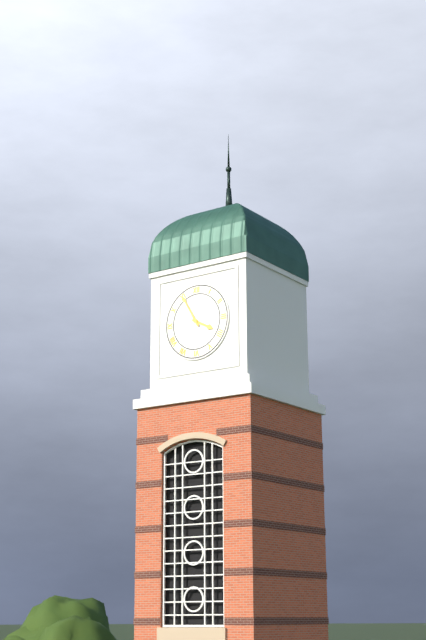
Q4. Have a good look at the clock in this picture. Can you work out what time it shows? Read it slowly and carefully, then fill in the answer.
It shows 3:55
